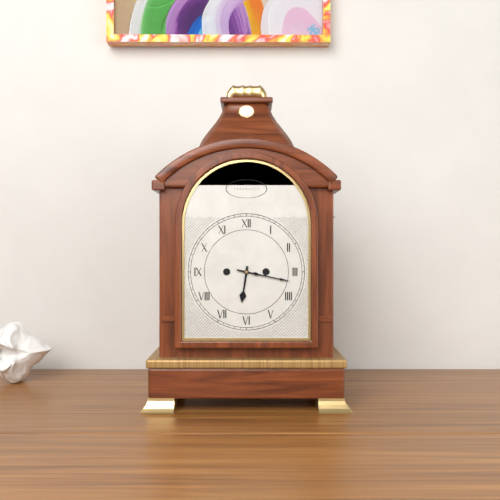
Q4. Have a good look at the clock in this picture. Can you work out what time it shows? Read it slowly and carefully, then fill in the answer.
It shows 6:17
